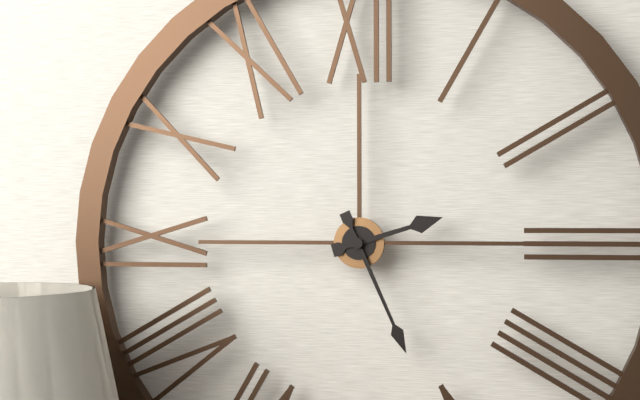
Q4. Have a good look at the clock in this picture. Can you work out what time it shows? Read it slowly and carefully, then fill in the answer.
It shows 2:26
